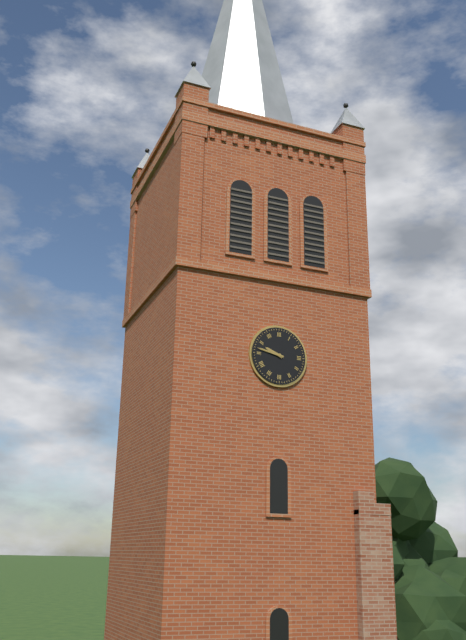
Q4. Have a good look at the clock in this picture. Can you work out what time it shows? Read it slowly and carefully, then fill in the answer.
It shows 9:47
